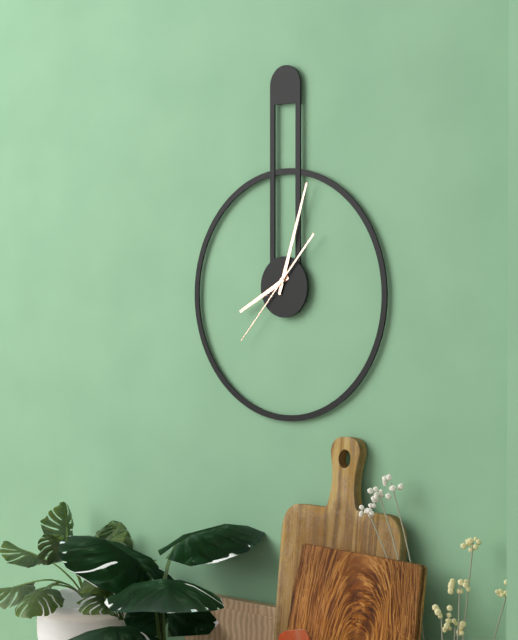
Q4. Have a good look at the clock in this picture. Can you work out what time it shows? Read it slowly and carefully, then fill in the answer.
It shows 8:03:37
